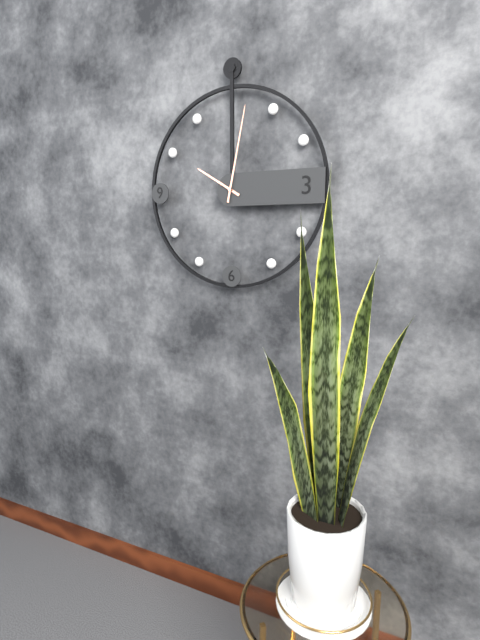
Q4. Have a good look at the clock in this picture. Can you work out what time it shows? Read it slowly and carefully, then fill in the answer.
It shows 10:02
